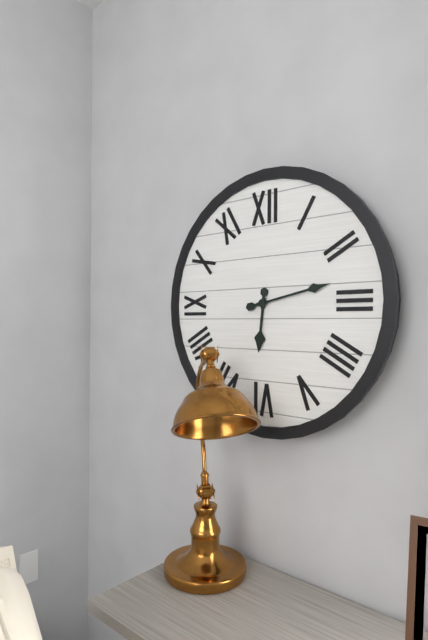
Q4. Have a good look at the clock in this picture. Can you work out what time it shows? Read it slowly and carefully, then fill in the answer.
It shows 6:13
